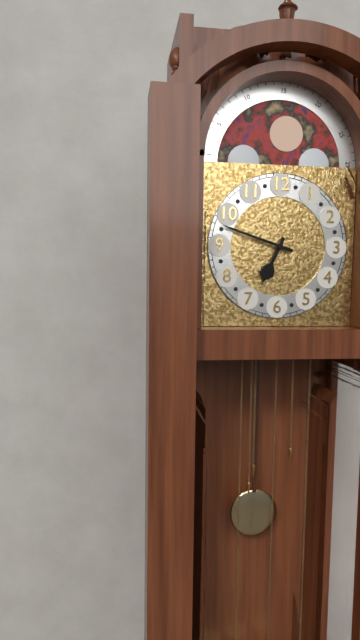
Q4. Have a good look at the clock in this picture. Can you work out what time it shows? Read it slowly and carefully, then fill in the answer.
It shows 6:48
